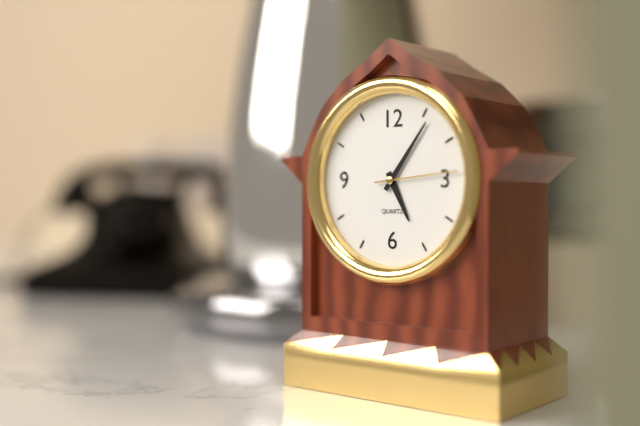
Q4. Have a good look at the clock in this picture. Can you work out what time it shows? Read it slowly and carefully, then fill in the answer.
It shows 5:06:14
